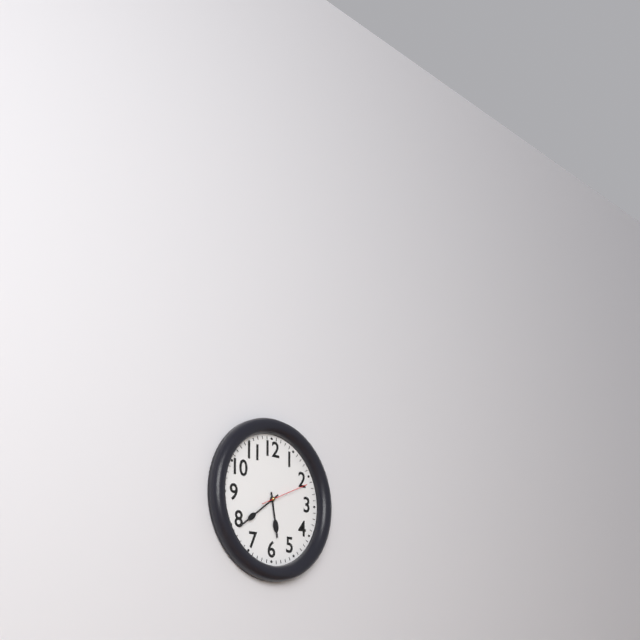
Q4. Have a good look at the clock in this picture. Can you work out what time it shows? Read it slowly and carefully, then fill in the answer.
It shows 5:39:11
